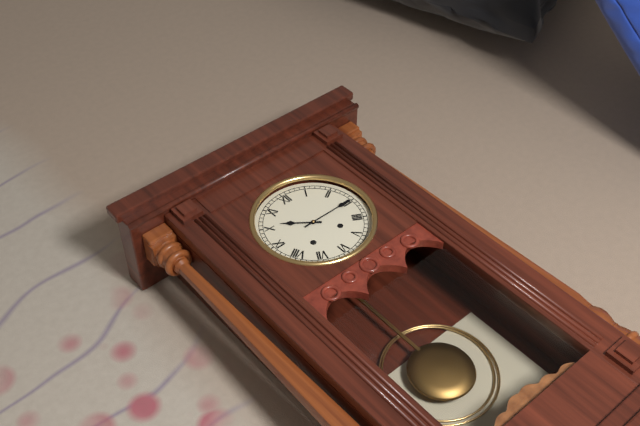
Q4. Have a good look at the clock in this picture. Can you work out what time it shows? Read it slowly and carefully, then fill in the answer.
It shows 10:15
